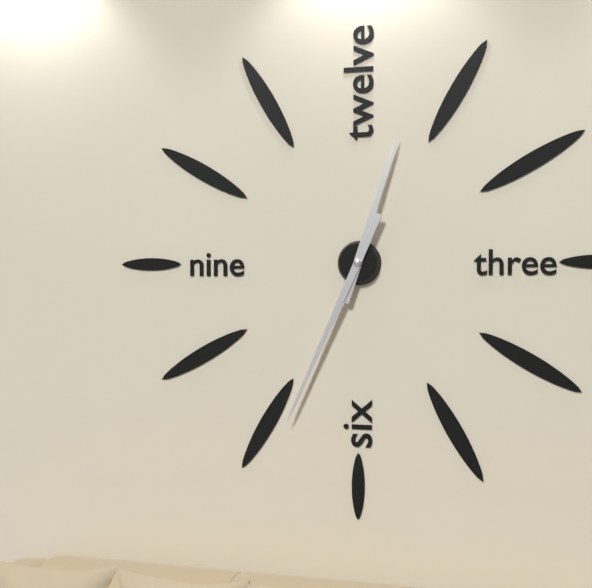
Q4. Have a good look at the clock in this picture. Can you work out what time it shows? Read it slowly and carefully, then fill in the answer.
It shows 12:34
